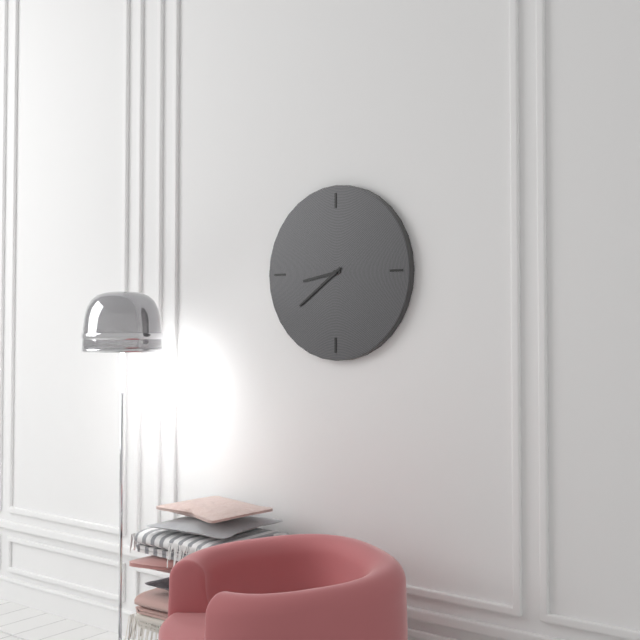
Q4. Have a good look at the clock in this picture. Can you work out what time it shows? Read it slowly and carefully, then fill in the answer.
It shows 8:39
